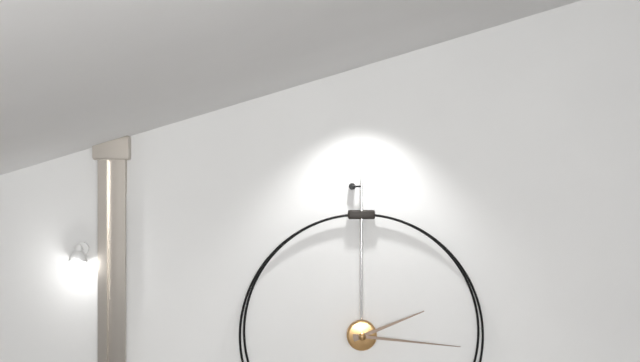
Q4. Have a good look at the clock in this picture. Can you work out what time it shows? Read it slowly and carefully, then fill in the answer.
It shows 2:16
